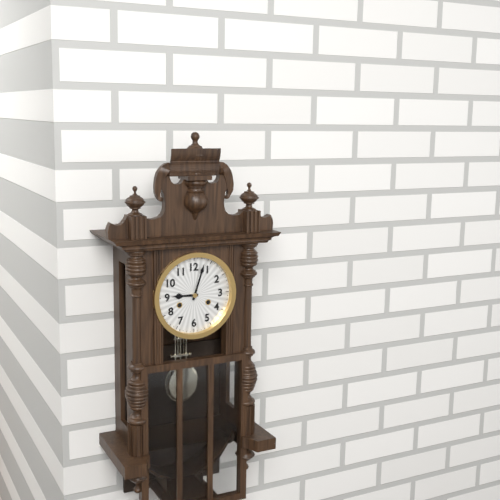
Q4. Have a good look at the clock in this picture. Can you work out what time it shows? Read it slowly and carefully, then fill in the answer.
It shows 9:03
